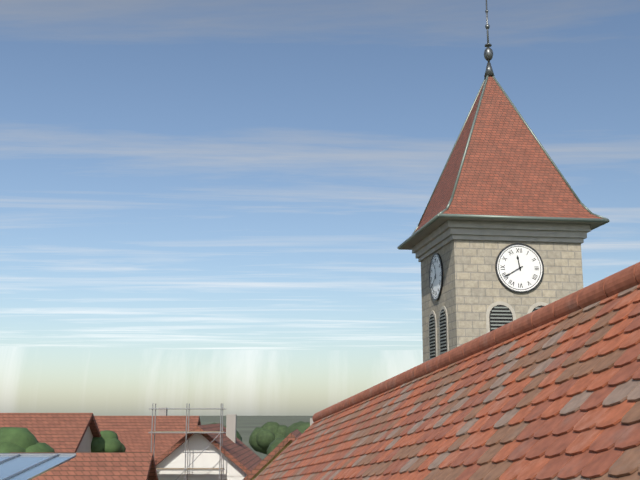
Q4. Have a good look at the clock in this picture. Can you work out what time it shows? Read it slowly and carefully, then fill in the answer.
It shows 11:40
